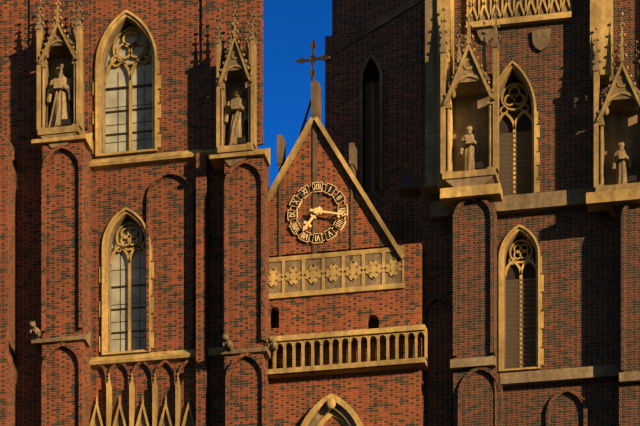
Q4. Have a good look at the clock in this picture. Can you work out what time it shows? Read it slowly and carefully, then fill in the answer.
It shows 7:17
